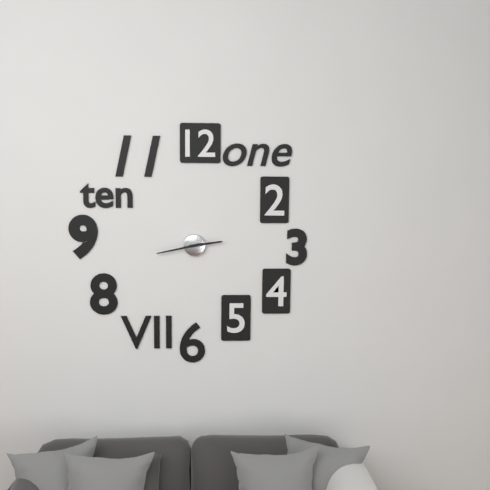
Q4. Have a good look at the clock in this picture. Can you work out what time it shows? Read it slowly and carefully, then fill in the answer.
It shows 2:43
